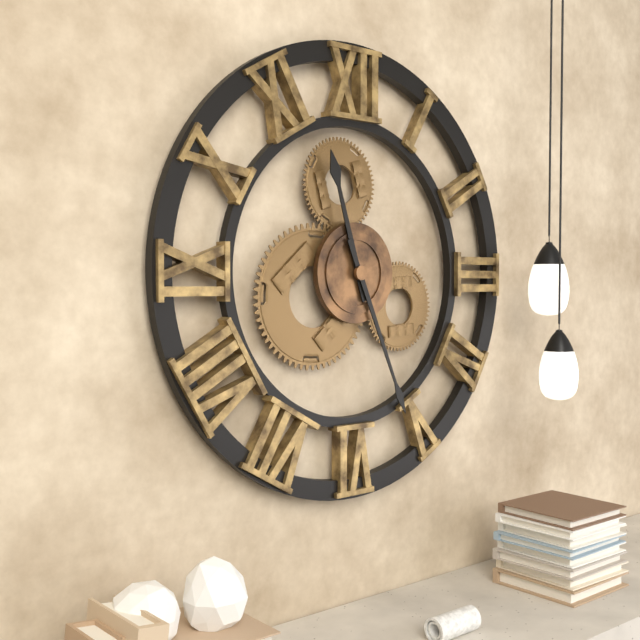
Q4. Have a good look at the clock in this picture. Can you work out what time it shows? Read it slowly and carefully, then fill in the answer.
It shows 11:26
